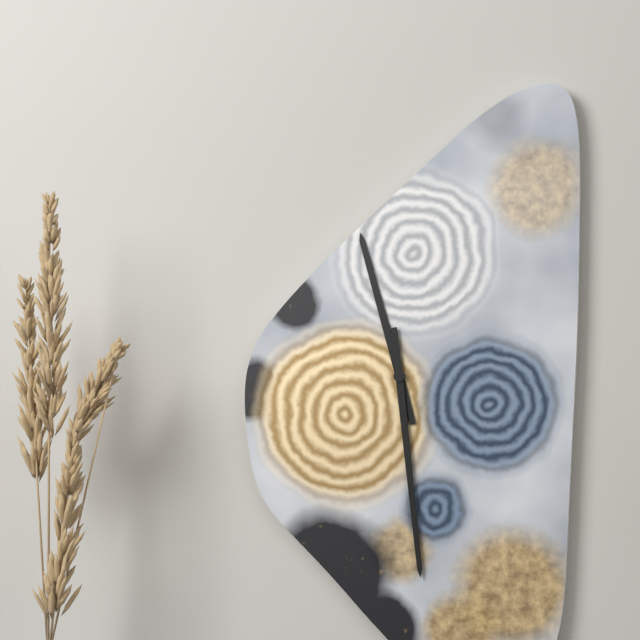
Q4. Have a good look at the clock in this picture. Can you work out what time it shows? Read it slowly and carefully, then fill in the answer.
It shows 11:29
